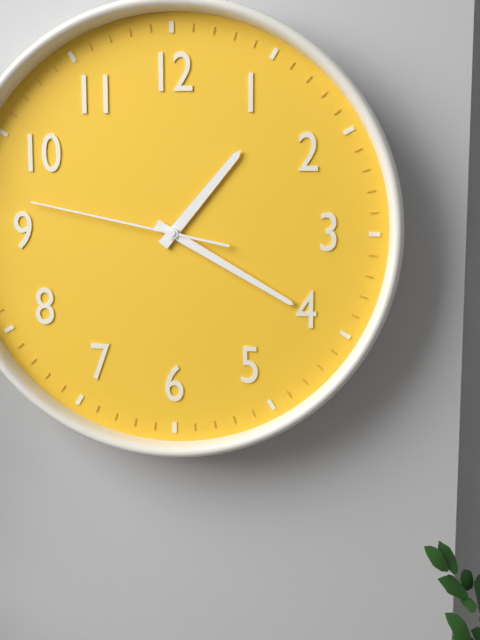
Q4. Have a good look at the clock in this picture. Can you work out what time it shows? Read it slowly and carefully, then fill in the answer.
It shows 1:20:47
